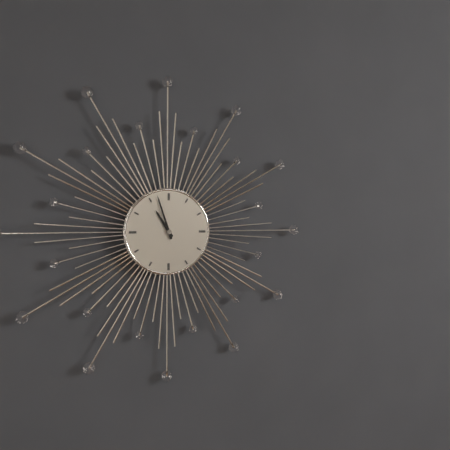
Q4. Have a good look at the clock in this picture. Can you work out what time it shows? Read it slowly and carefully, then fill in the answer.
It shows 10:57
